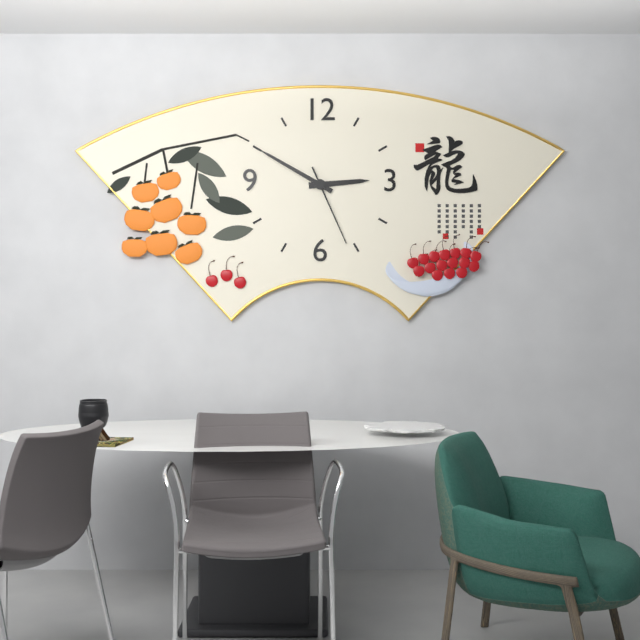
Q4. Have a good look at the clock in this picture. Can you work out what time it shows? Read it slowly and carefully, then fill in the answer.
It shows 2:50:26
